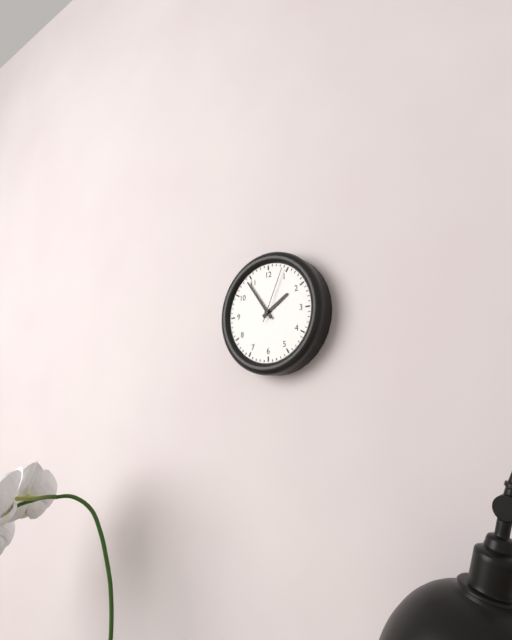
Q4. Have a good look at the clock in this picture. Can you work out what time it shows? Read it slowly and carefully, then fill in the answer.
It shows 1:54:04
